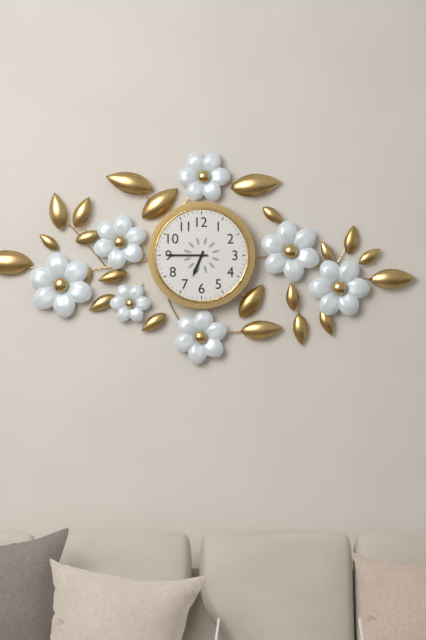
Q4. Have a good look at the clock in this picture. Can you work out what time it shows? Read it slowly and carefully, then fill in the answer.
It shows 6:45
